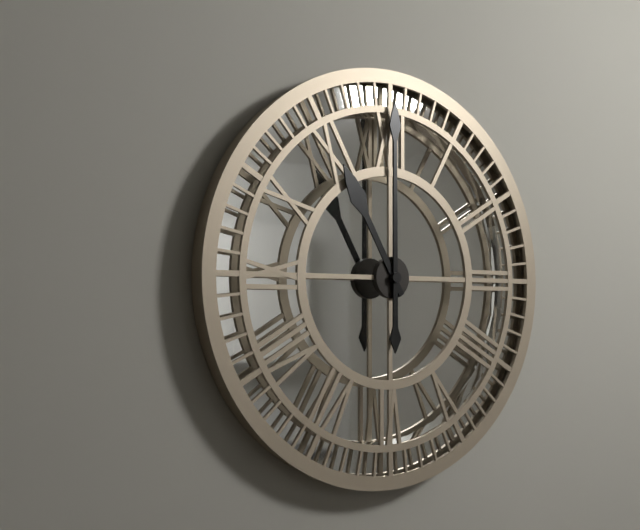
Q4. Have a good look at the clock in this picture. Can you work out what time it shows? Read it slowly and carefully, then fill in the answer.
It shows 11:00
